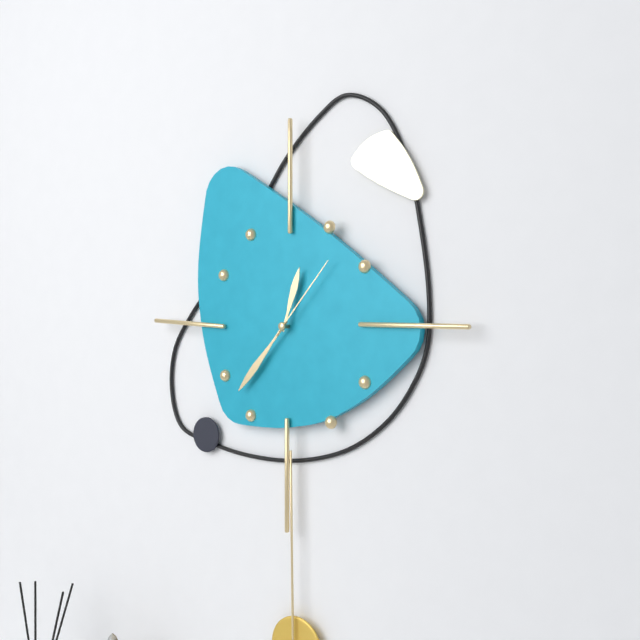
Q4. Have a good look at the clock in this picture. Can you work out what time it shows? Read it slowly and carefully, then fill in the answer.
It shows 12:37:07
